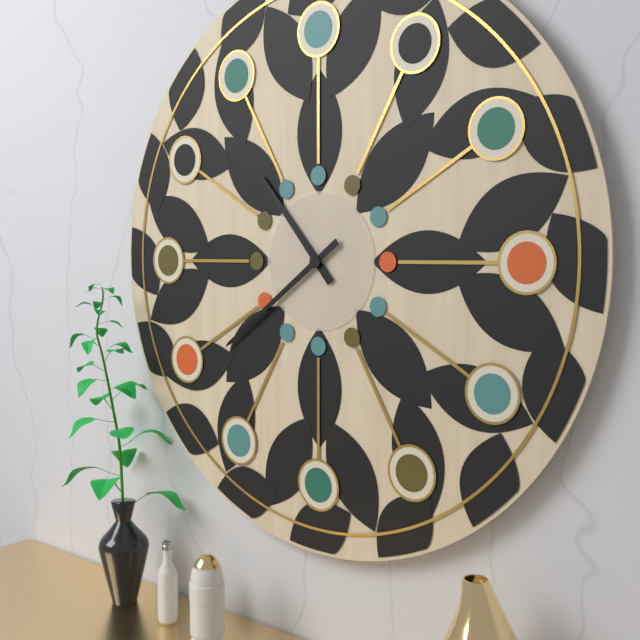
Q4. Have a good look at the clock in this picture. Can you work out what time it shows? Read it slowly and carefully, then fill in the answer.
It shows 10:39
